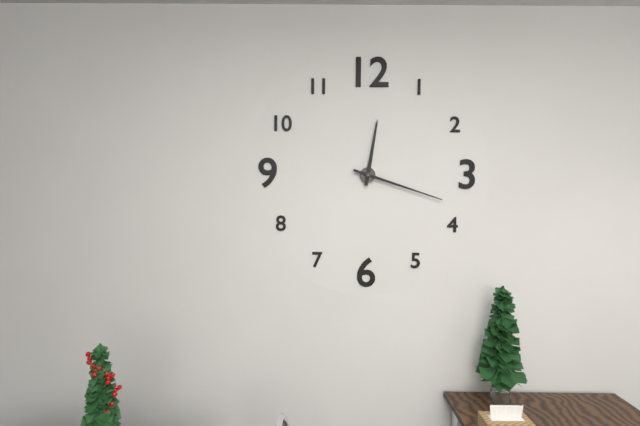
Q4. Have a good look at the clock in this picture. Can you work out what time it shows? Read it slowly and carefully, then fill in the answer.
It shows 12:18
